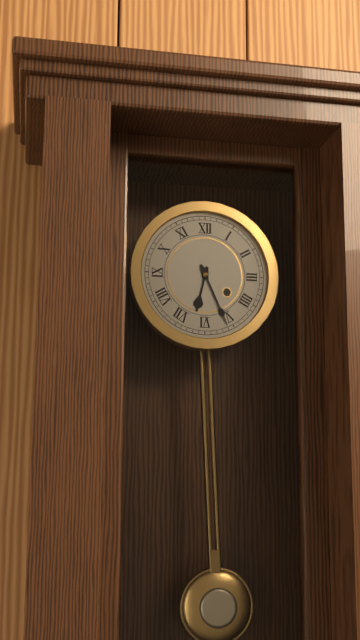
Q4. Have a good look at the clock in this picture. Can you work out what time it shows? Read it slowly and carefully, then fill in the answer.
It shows 6:26
